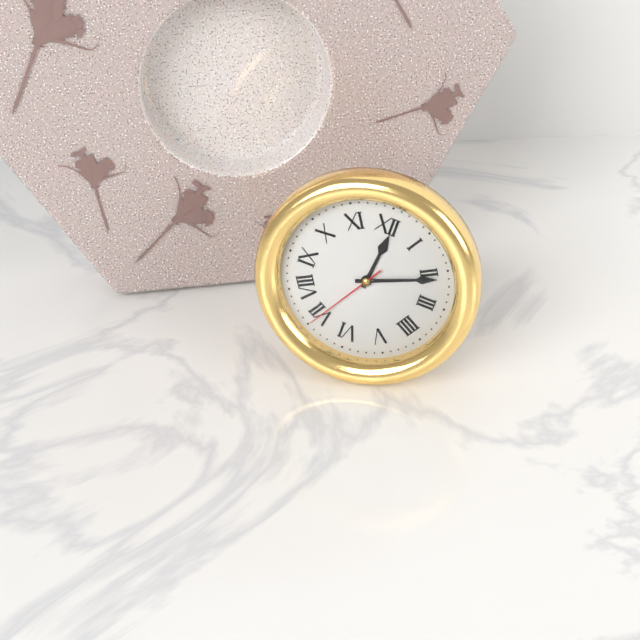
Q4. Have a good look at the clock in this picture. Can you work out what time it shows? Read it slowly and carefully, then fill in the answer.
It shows 12:11:35
